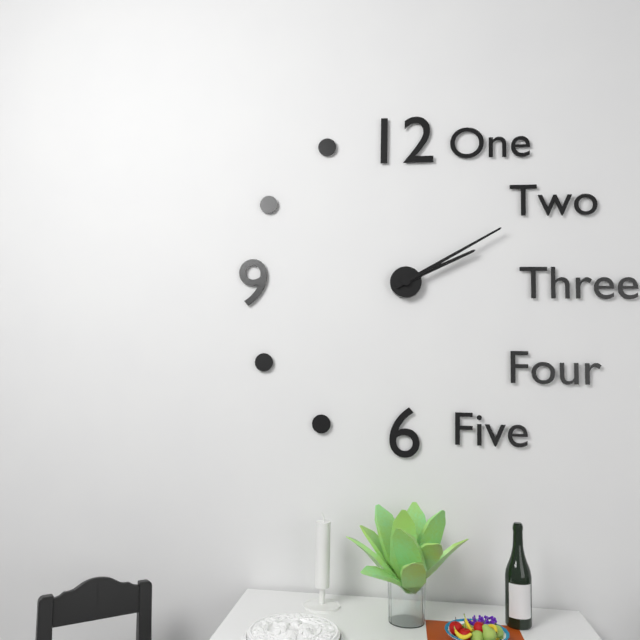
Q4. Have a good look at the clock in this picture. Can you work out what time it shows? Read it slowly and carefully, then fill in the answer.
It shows 2:10
